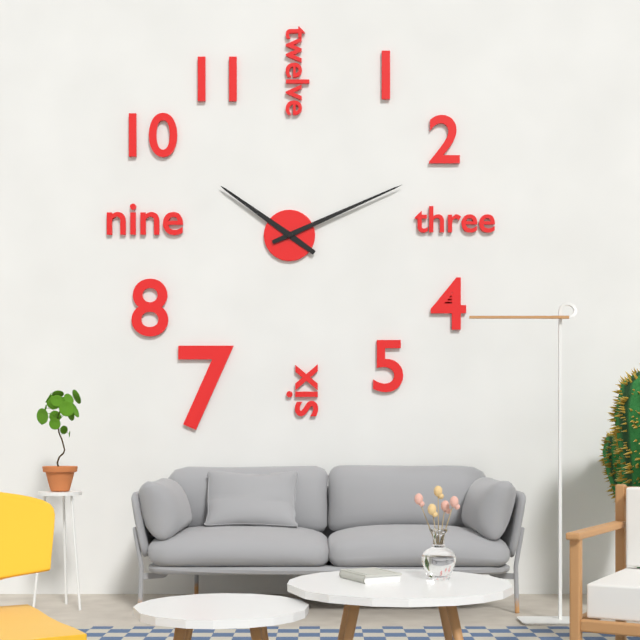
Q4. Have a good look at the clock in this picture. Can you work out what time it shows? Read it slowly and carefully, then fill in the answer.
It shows 10:11
